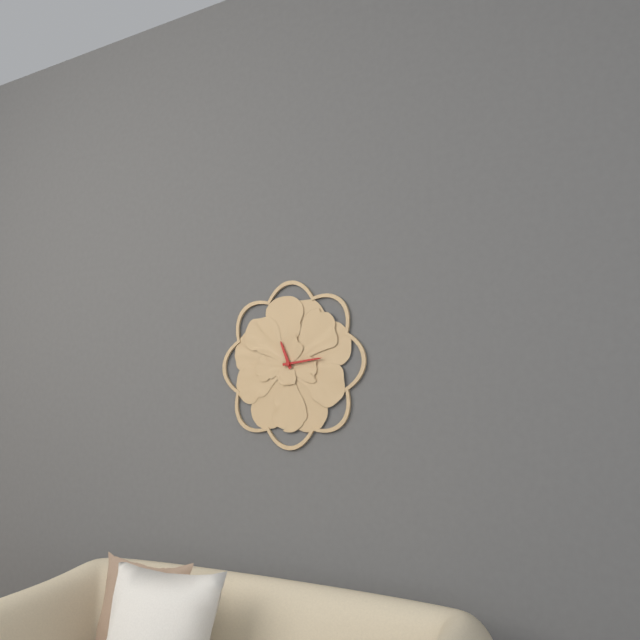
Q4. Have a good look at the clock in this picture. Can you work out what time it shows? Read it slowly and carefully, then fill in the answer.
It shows 11:14
